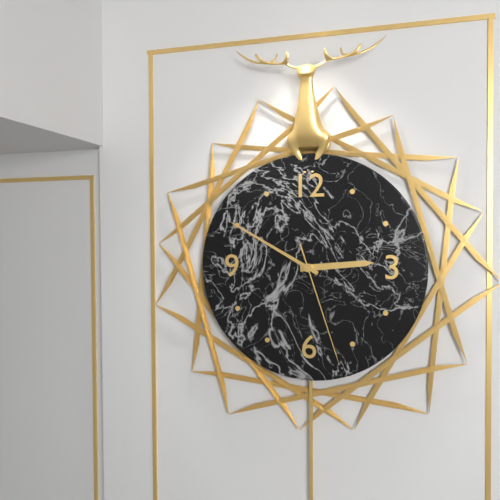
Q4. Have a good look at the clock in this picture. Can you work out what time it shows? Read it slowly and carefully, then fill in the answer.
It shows 2:50:27
